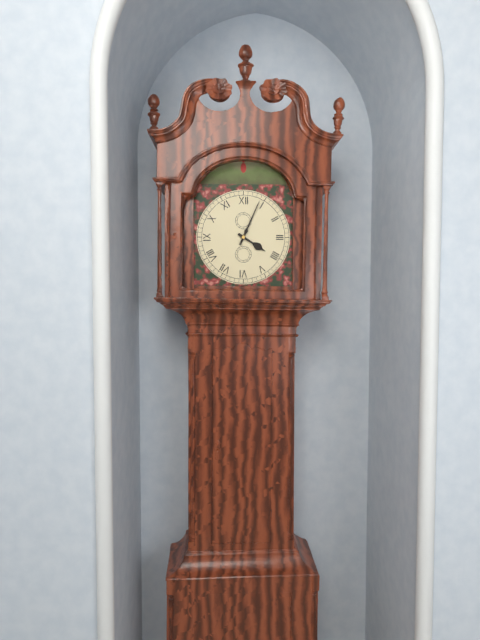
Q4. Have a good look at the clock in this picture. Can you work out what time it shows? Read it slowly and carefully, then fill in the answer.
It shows 4:04
